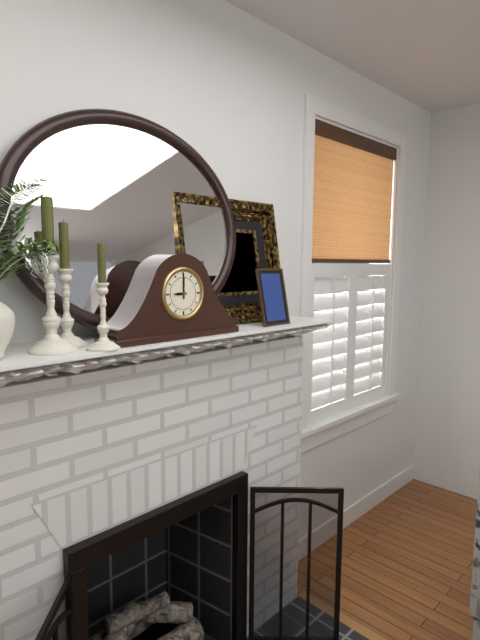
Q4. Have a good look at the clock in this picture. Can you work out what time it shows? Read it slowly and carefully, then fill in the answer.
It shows 9:00
